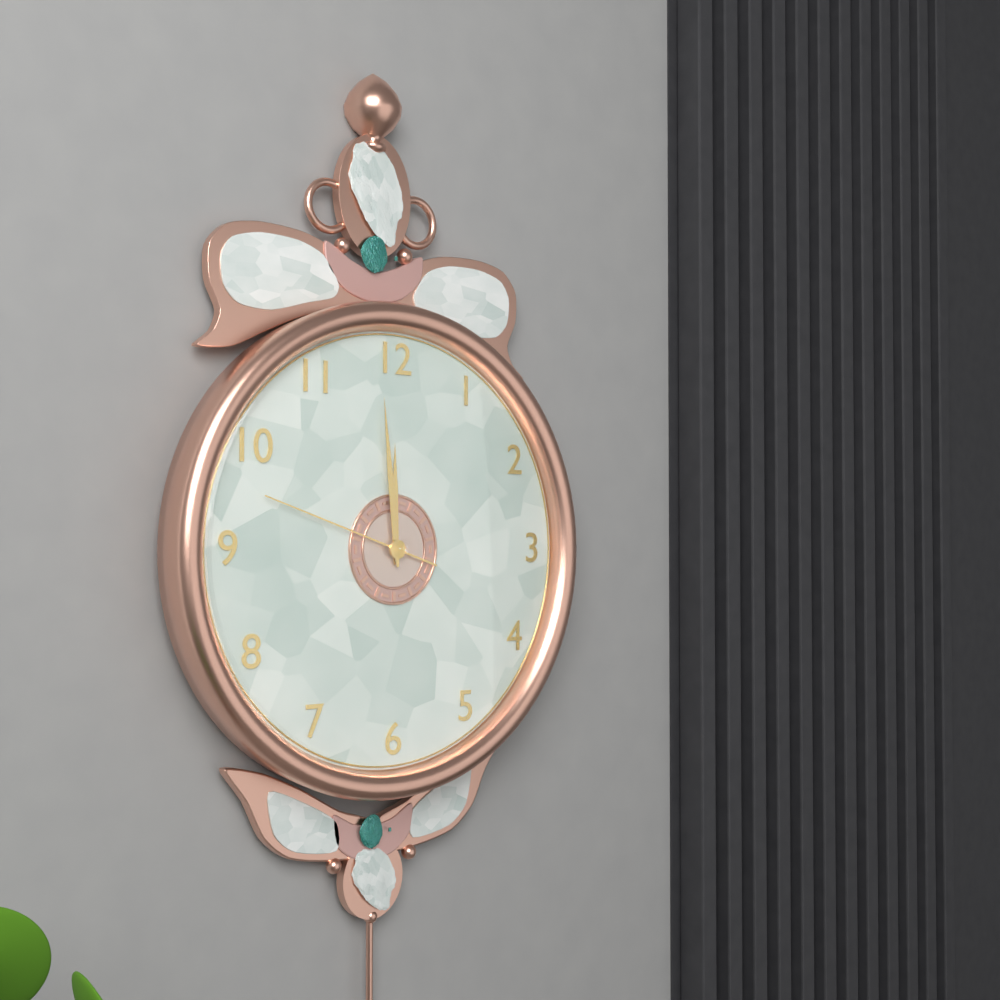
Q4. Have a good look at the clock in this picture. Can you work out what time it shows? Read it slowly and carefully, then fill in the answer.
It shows 11:59:48
